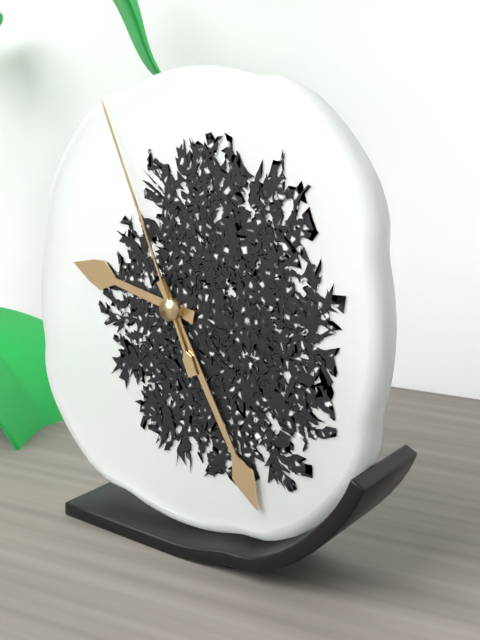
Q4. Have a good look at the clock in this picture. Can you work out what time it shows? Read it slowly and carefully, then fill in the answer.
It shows 9:25:56
